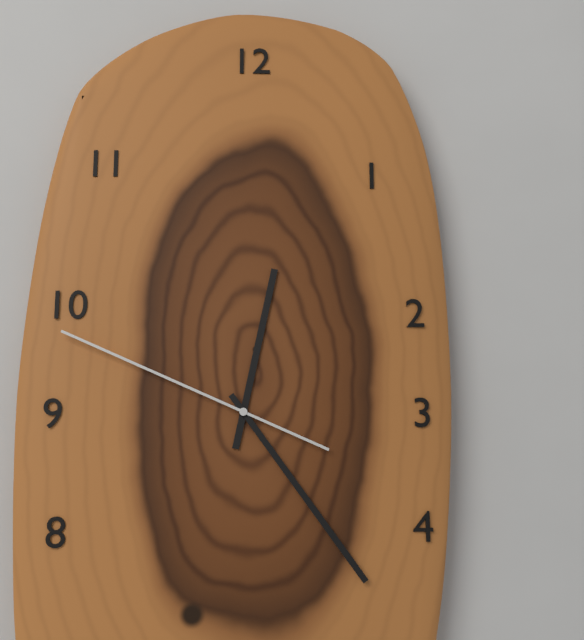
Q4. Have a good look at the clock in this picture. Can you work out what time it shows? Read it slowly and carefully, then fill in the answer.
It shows 12:24:49
